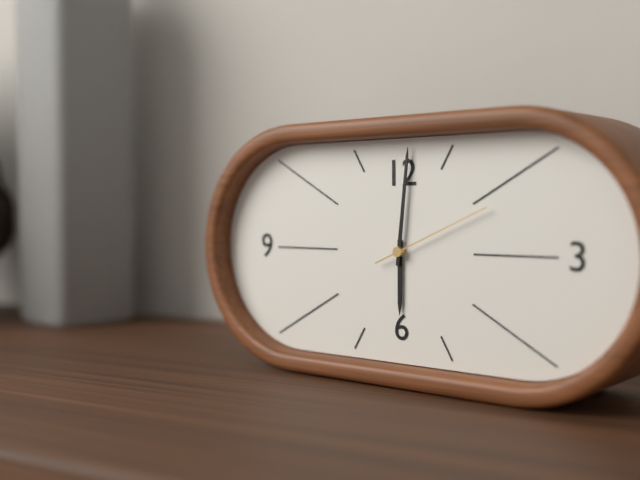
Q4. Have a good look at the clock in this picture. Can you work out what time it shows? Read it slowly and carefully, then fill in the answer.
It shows 6:01:11
